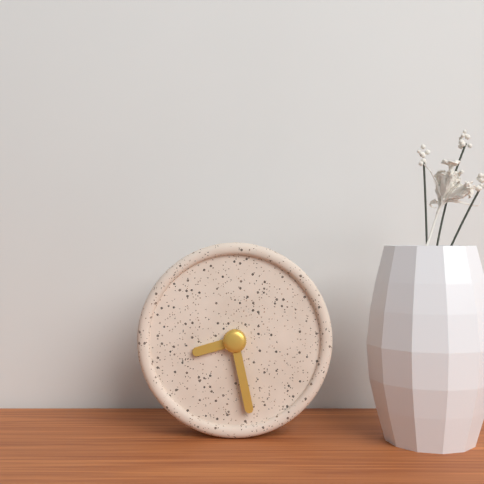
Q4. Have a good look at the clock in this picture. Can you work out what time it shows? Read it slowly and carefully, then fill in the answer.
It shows 8:28
